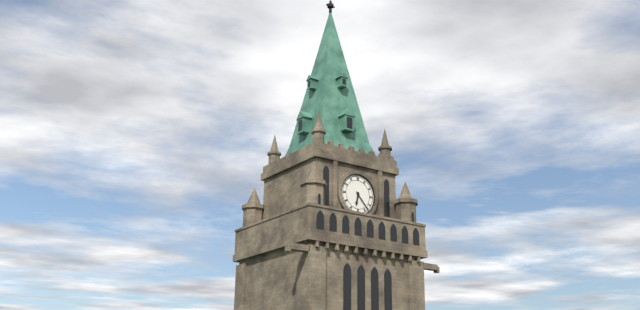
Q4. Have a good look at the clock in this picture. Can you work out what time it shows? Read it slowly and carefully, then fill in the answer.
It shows 6:23
